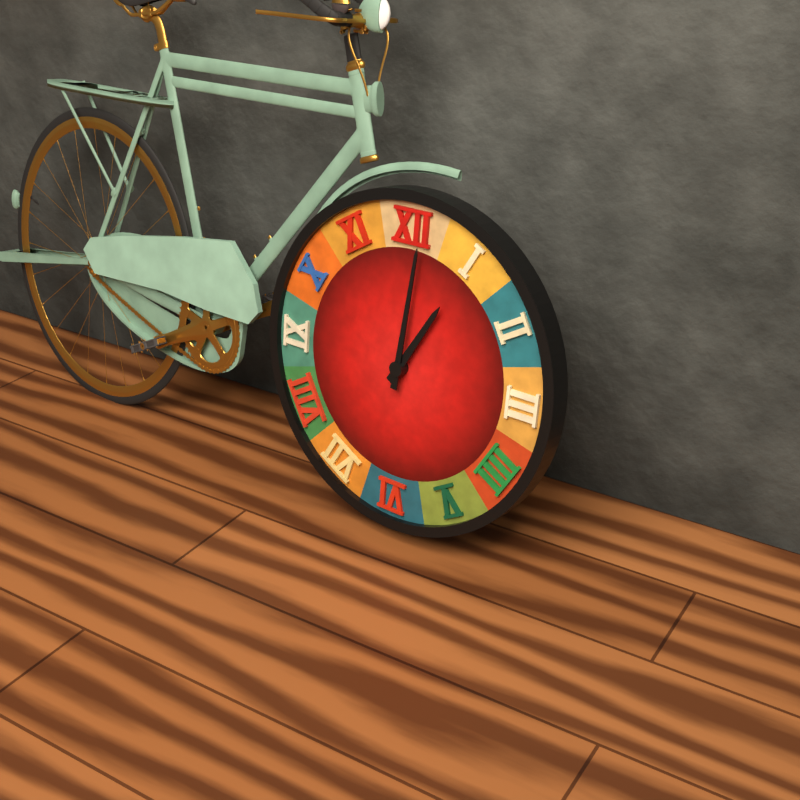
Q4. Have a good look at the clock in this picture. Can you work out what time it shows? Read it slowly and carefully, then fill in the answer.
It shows 1:01
